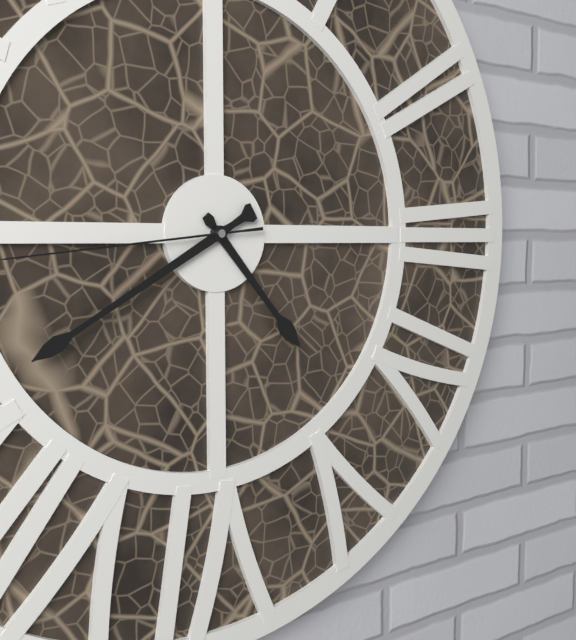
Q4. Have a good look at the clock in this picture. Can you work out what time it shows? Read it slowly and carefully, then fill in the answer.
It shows 4:40:44
